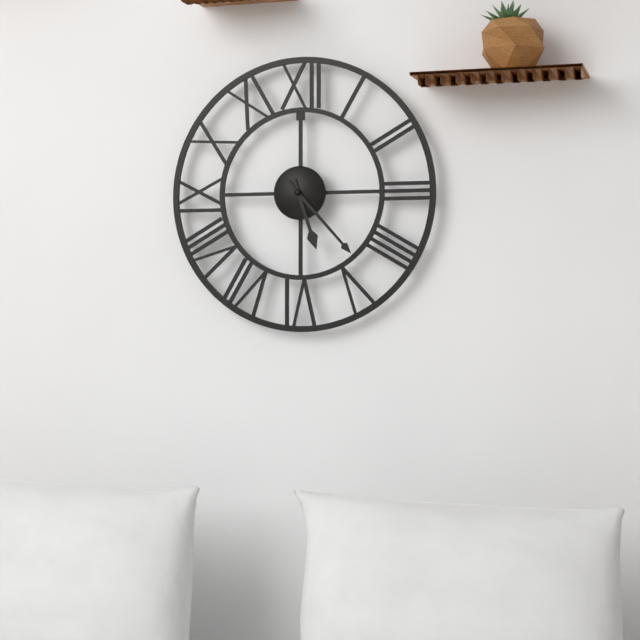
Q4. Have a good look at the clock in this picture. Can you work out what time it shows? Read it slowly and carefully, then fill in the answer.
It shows 5:23
